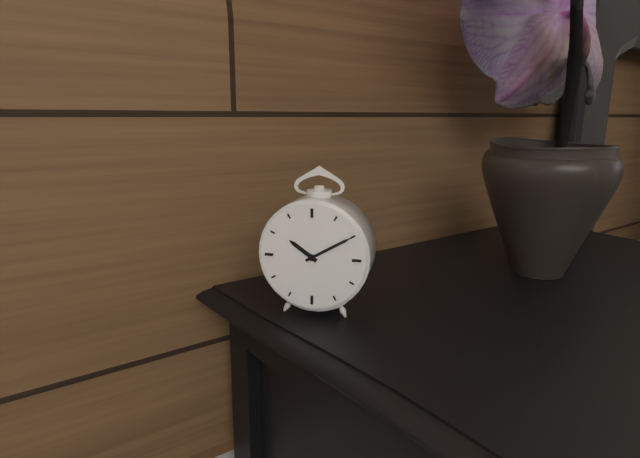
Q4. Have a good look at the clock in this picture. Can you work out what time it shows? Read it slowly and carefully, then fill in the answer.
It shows 10:10
